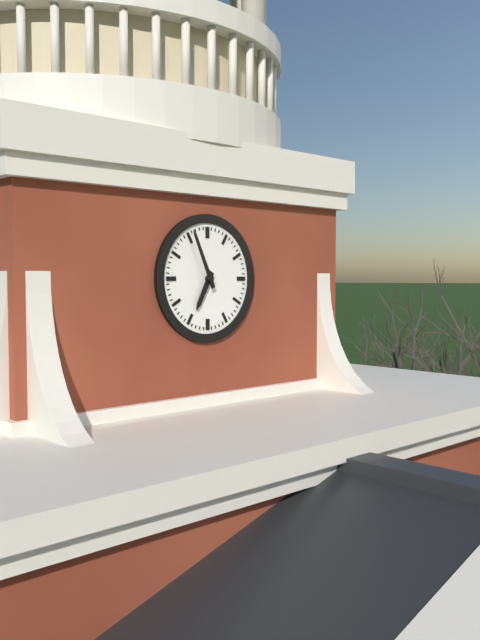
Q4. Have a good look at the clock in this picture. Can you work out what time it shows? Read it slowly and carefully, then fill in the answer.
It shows 6:56
